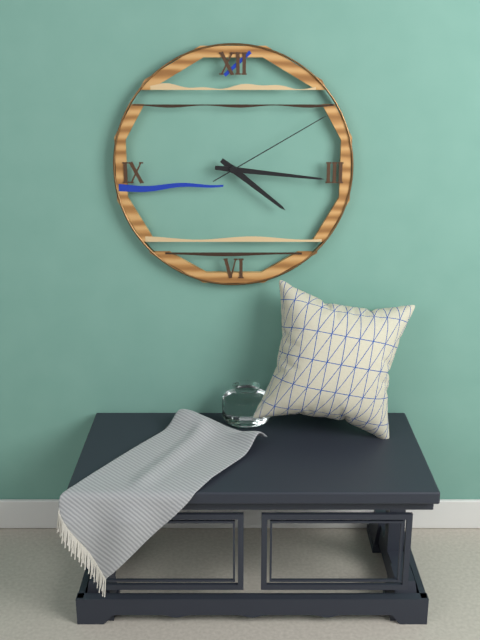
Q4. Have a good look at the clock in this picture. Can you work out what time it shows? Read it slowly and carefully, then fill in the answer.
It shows 4:16:10
